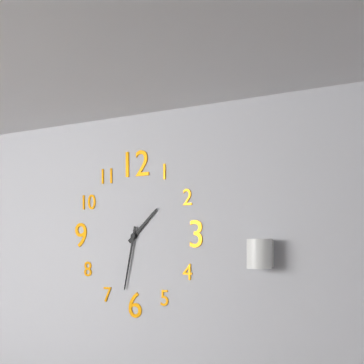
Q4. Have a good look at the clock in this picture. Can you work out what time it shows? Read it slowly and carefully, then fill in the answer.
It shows 1:32
